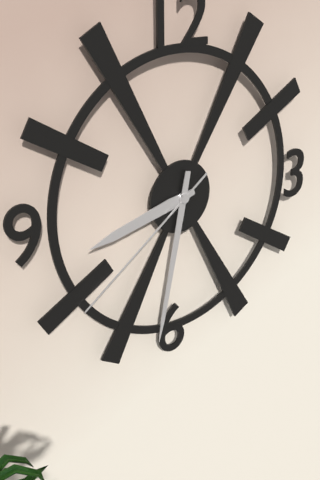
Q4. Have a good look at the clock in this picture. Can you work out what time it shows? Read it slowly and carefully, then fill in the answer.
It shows 8:32:39
